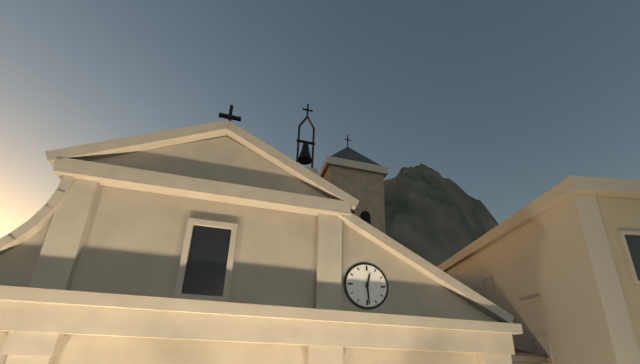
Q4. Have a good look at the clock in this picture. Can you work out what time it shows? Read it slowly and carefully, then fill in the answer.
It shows 12:29
